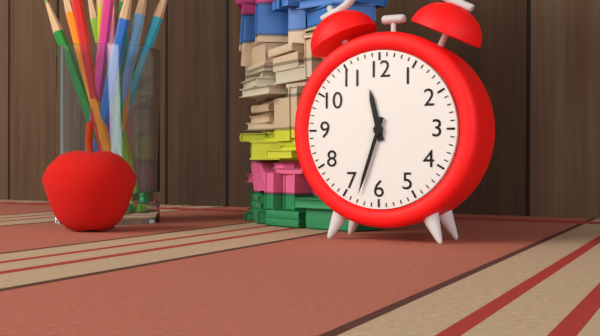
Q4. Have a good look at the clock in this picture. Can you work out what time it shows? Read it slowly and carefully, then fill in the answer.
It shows 11:33
